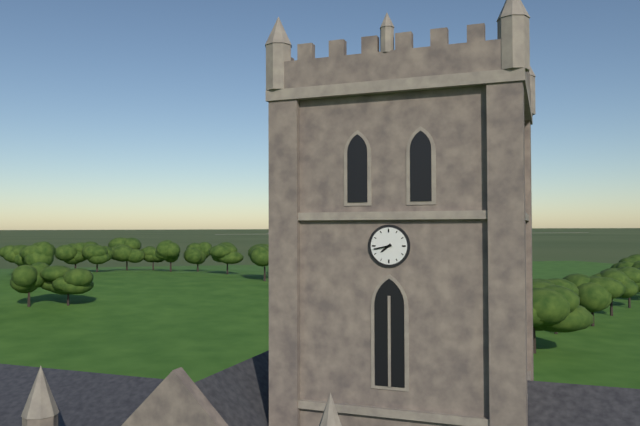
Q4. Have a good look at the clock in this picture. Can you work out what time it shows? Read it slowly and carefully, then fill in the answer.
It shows 7:43
